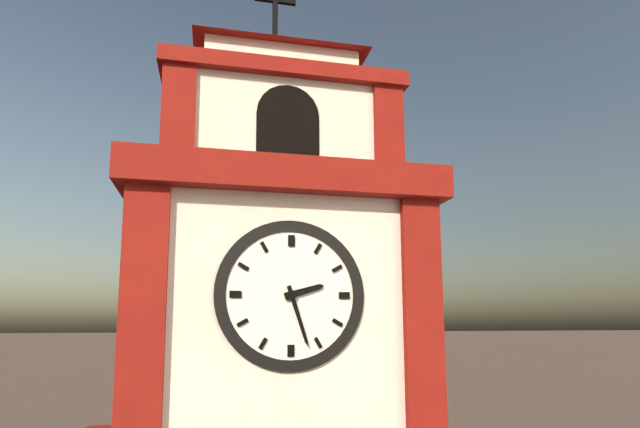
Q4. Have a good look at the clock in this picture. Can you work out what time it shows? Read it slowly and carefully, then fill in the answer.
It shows 2:27
